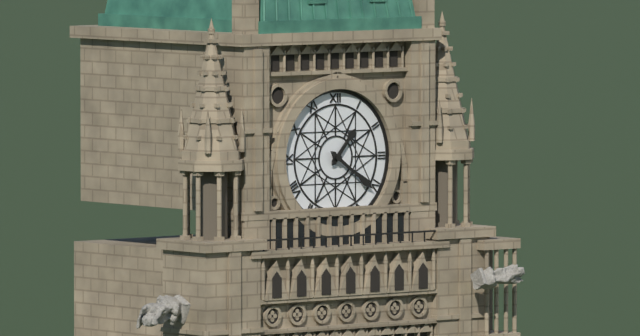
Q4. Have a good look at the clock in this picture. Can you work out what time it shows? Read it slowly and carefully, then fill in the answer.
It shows 1:21
